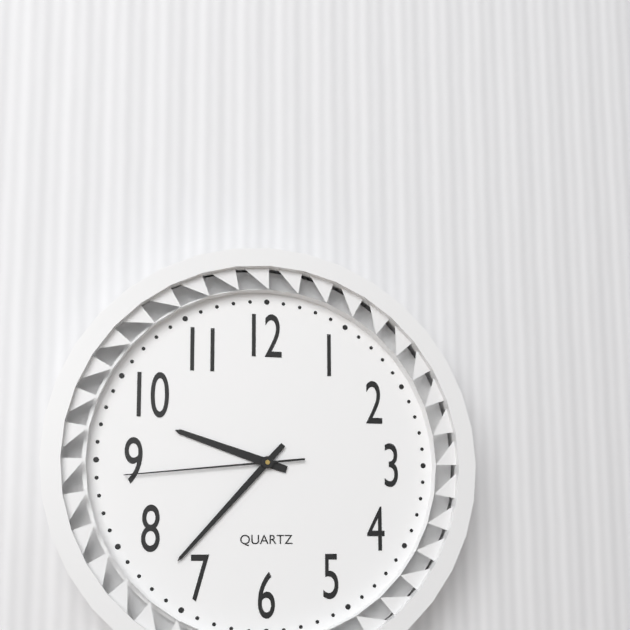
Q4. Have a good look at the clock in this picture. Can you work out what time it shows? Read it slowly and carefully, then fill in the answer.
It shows 9:37:44
